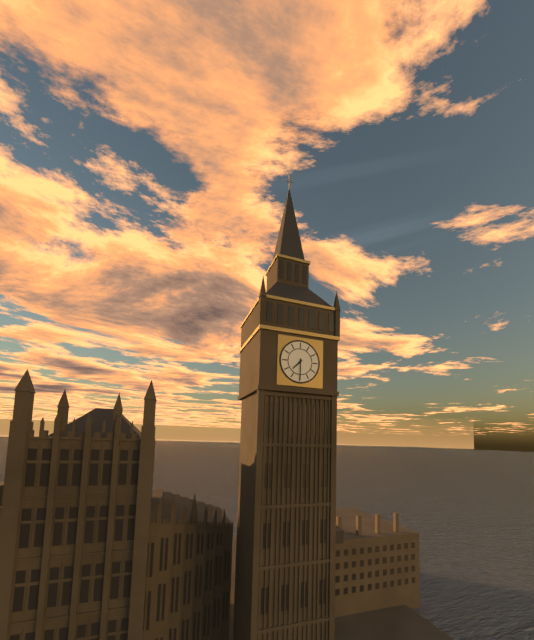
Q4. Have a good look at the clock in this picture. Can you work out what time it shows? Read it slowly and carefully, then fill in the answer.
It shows 7:30
